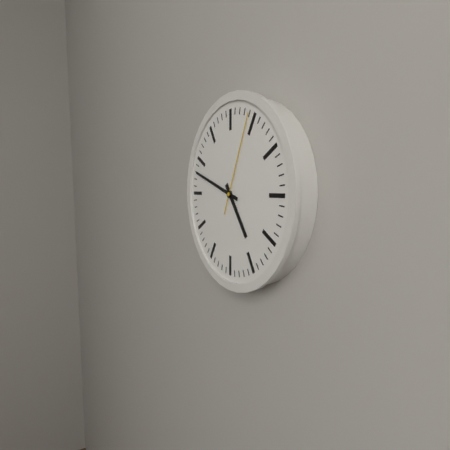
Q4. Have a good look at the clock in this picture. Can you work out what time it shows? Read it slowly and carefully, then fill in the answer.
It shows 4:48:04
